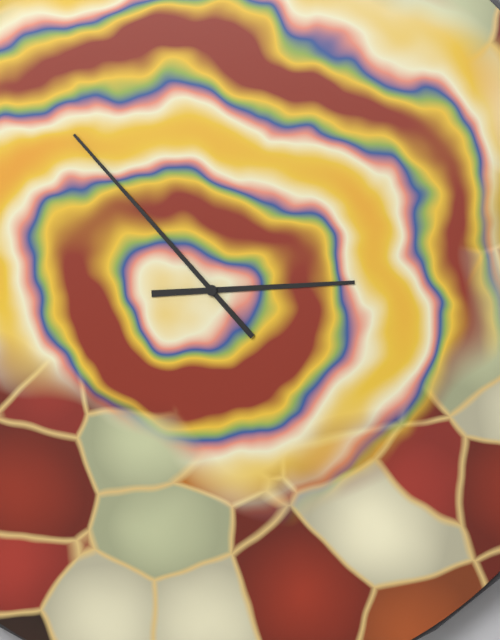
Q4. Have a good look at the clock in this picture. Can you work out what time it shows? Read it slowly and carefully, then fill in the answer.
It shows 2:53
